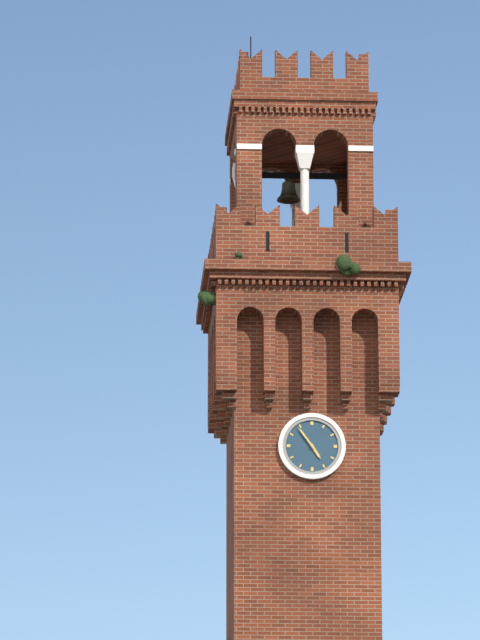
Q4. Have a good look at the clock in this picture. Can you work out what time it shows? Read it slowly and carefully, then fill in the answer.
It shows 4:54
